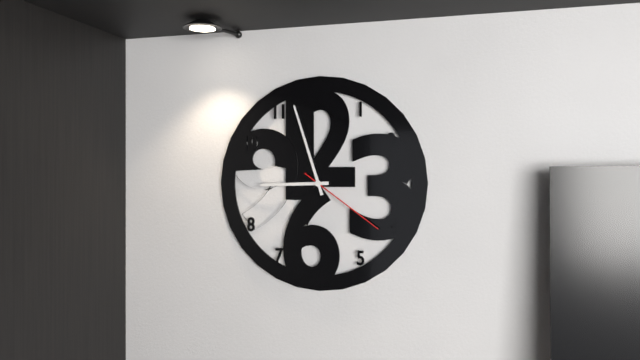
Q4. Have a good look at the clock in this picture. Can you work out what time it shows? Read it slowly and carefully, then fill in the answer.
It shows 8:57:21
